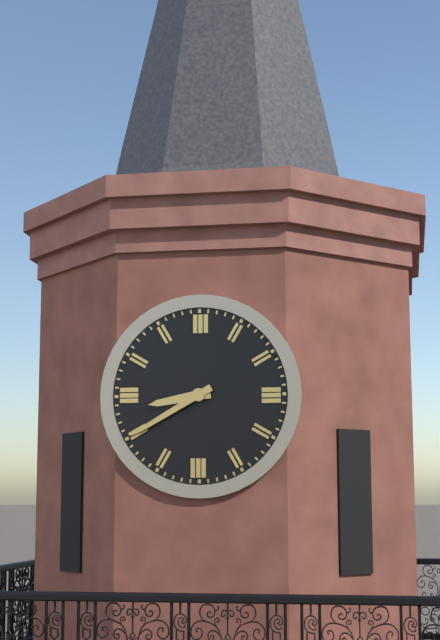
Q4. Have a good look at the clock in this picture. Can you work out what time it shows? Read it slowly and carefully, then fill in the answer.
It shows 8:40
